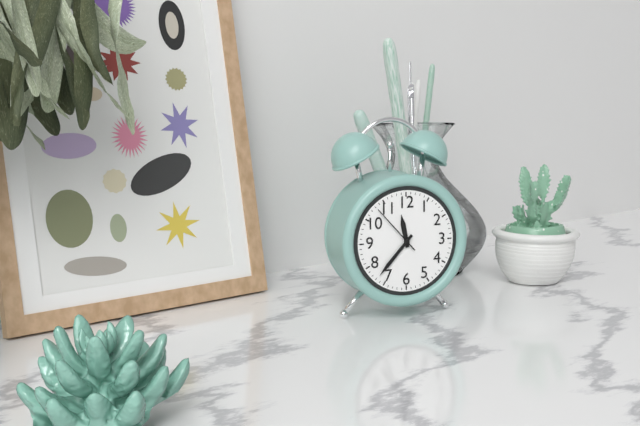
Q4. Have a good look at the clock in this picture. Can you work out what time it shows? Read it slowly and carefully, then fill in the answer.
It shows 11:37:53
